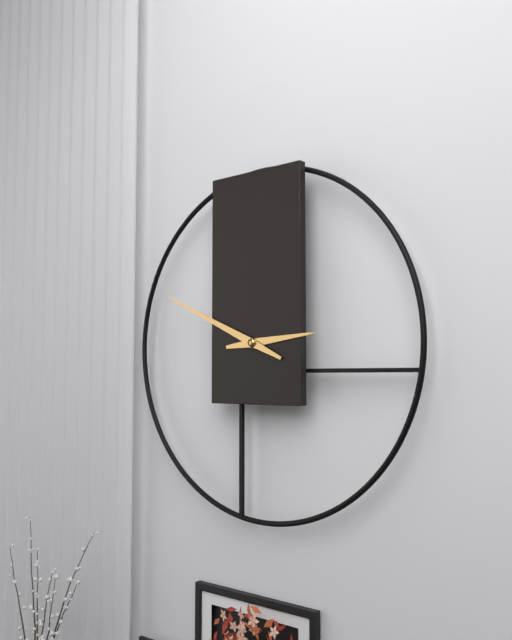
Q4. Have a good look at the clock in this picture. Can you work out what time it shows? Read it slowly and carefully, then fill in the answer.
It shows 2:49
